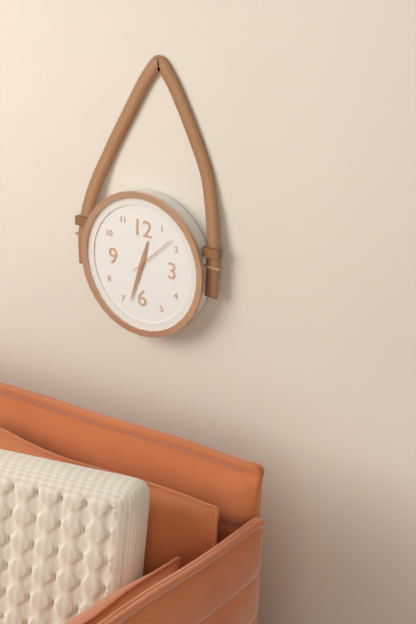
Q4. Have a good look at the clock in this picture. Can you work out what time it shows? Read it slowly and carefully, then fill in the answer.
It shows 12:33
